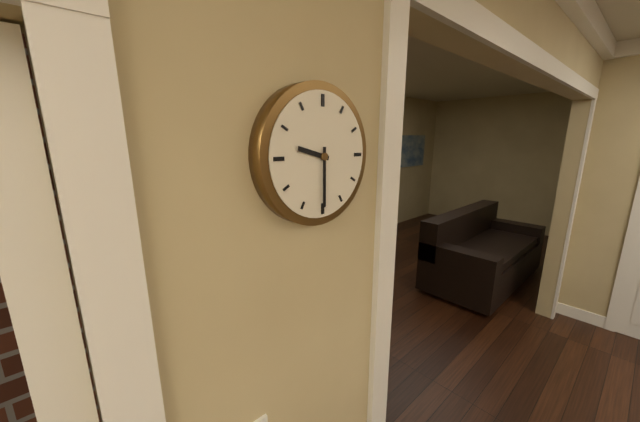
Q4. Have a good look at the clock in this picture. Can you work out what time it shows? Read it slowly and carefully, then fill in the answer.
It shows 9:30
